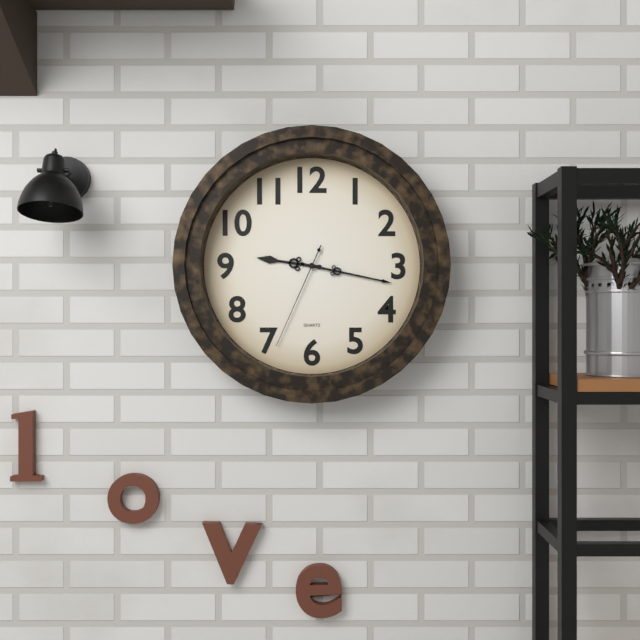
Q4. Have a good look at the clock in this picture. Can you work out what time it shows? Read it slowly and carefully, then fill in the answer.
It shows 9:17:34
